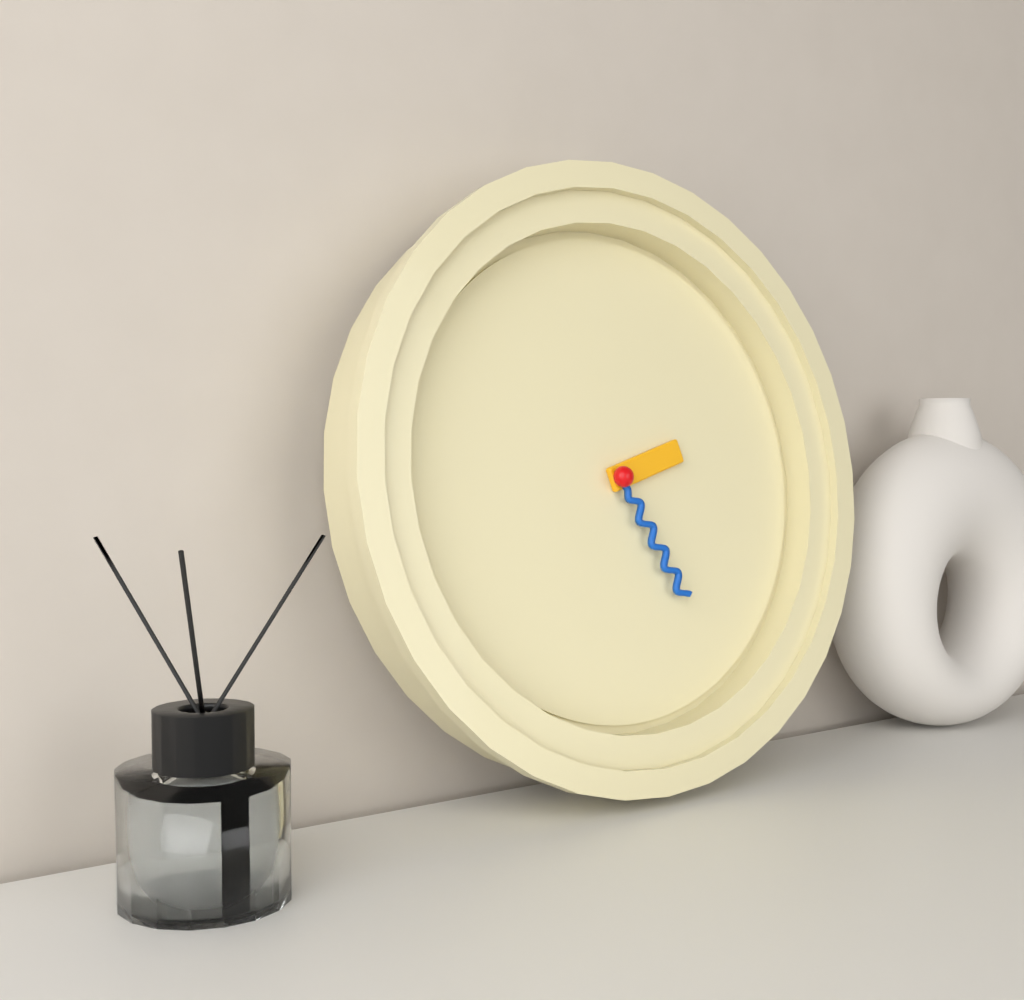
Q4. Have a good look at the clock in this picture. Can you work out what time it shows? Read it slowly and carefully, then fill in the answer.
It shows 2:25
